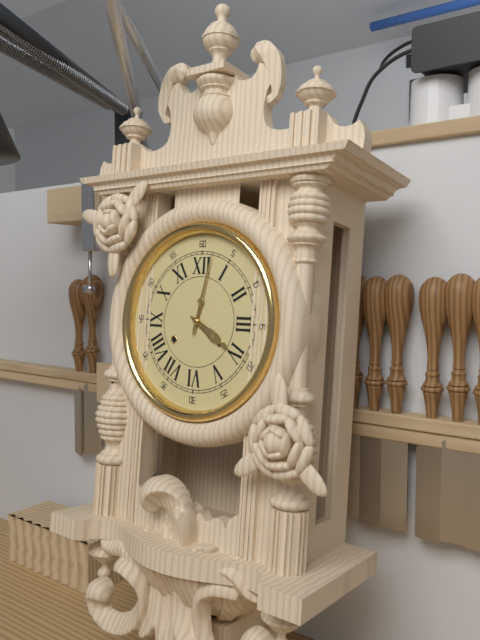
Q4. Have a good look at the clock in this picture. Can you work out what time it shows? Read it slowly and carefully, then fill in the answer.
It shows 4:02
